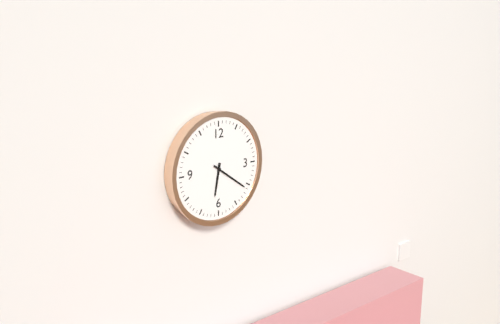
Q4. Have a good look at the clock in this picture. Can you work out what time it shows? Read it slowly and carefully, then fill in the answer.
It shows 6:21
